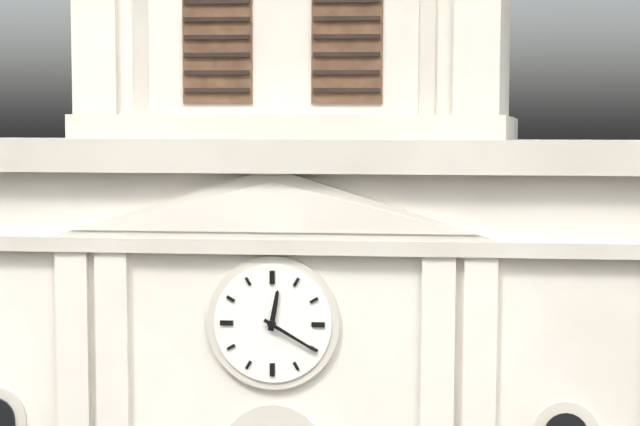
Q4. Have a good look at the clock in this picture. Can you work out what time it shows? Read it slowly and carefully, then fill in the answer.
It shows 12:20
